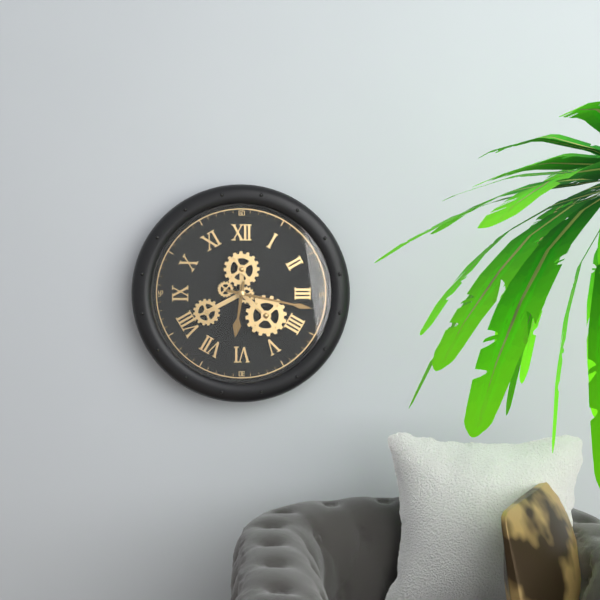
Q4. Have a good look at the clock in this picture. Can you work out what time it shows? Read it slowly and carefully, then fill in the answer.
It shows 6:17
